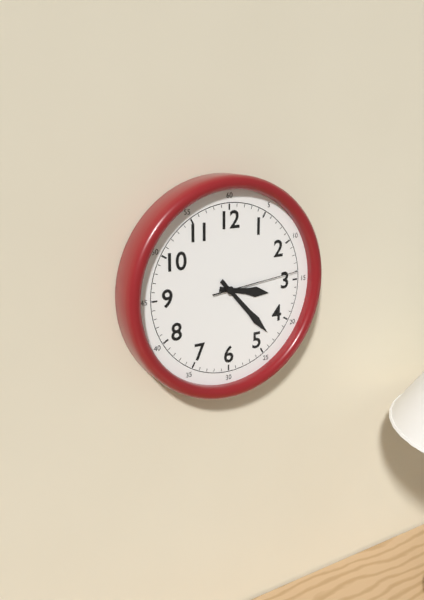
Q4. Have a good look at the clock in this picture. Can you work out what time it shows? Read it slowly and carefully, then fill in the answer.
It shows 3:23:14
